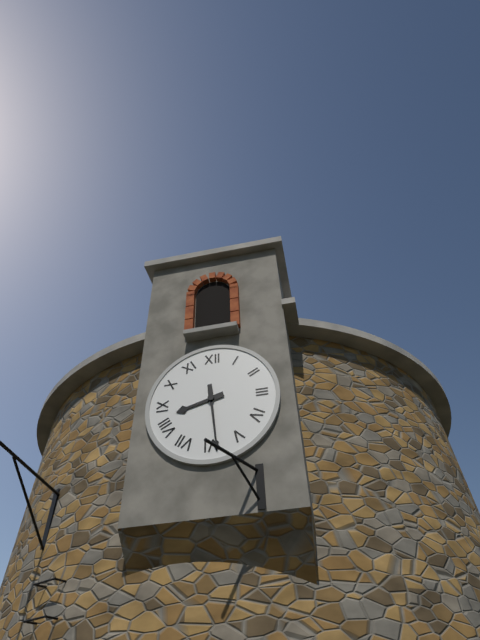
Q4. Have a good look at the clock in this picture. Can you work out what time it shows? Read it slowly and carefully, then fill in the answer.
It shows 8:29
